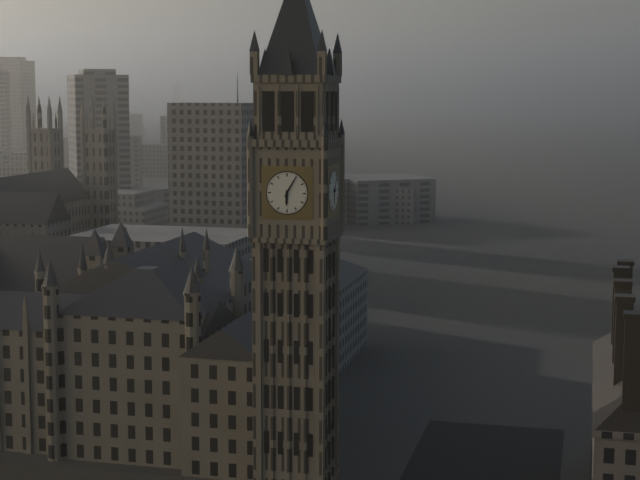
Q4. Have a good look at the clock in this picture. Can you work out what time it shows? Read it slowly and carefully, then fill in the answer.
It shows 6:05
